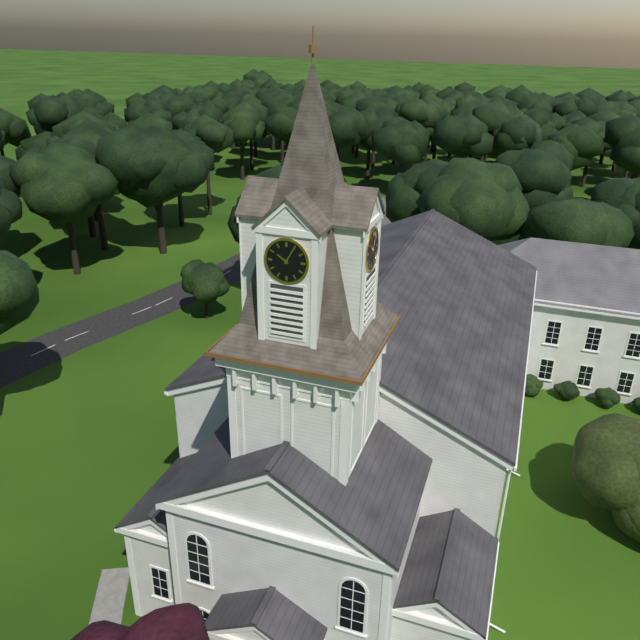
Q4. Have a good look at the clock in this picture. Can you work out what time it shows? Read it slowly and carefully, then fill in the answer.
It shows 10:05
